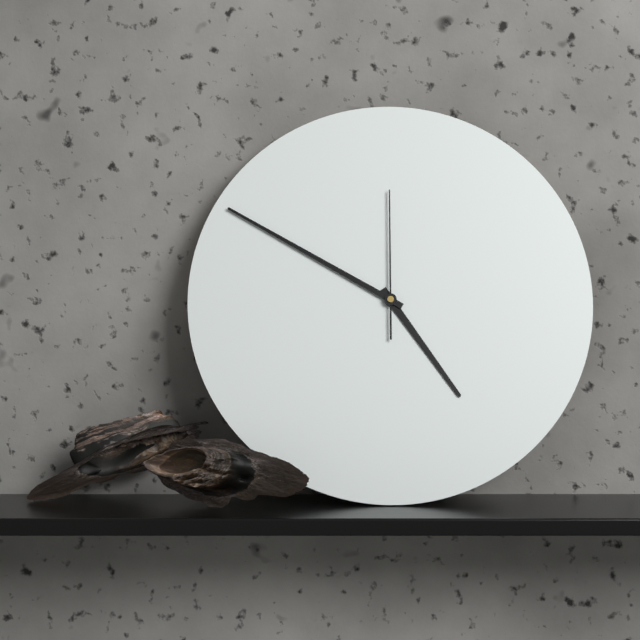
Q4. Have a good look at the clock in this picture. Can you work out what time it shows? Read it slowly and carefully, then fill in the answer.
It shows 4:50:00
